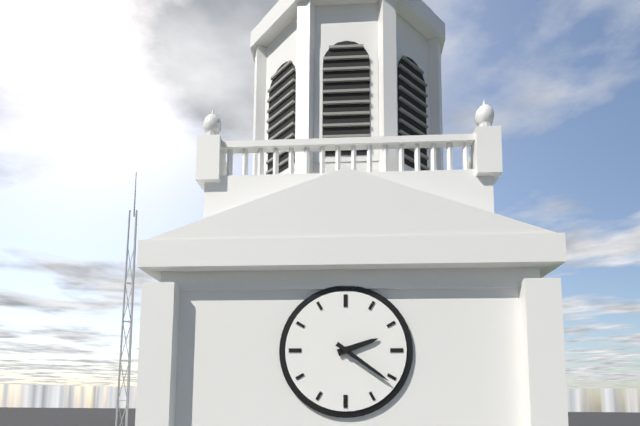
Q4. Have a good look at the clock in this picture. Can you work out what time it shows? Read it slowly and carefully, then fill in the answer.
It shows 2:21
